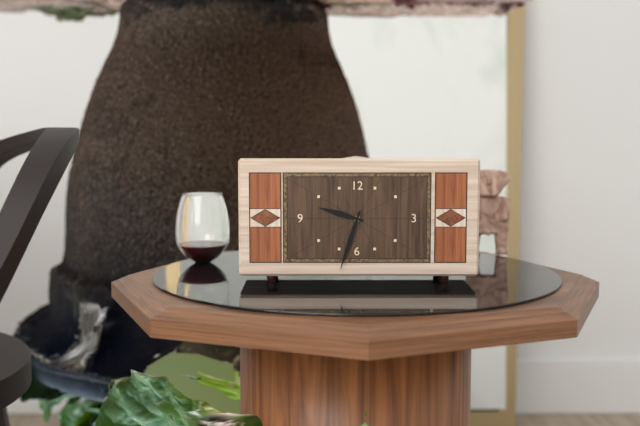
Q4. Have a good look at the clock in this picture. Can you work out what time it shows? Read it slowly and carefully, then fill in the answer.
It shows 9:33
